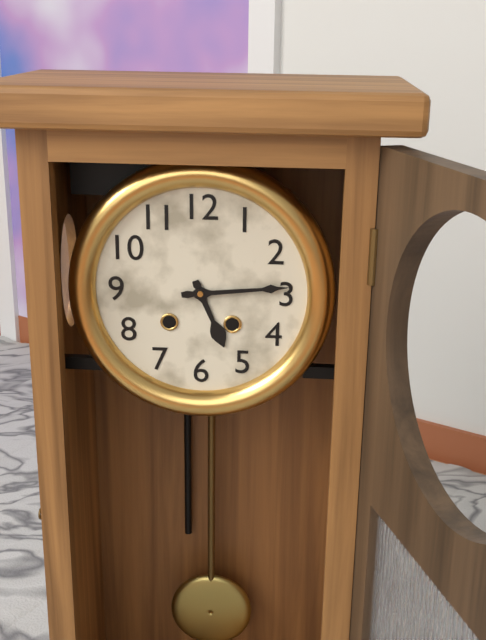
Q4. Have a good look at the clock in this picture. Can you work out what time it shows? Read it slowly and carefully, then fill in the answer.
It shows 5:14
